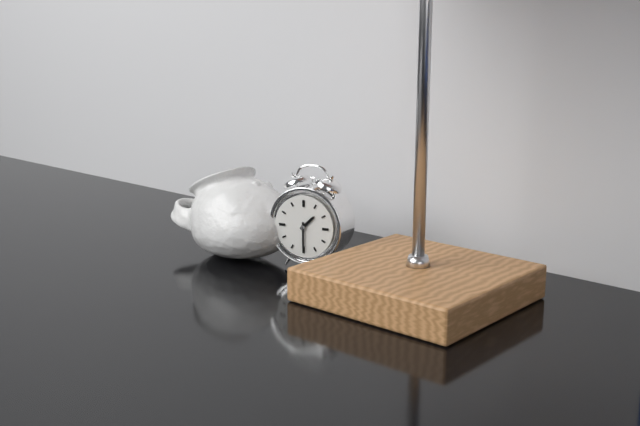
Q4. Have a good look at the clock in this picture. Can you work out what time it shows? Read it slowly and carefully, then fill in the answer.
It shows 1:30
